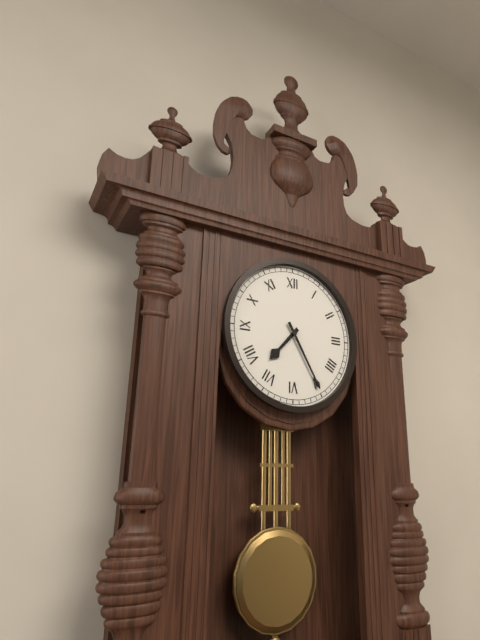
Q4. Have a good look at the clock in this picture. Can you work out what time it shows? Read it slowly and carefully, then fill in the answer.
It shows 7:25
